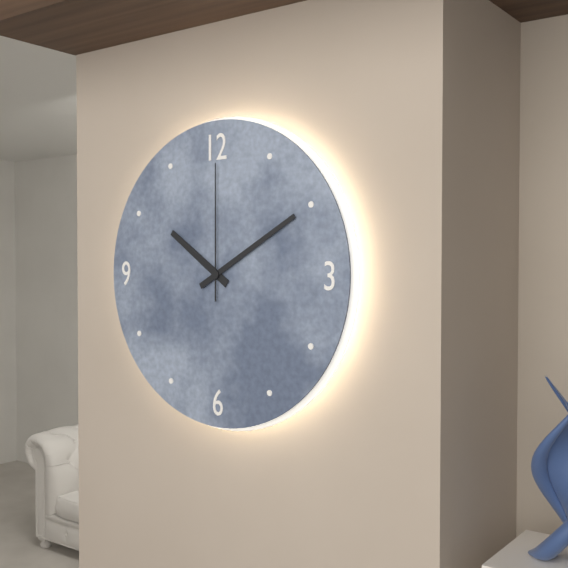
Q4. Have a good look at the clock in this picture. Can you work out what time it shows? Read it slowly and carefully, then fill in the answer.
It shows 10:10:00
